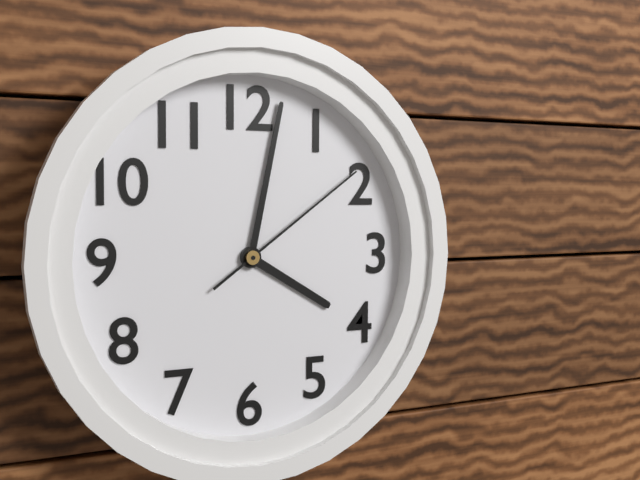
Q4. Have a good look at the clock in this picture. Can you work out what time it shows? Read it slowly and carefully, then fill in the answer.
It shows 4:02:09
